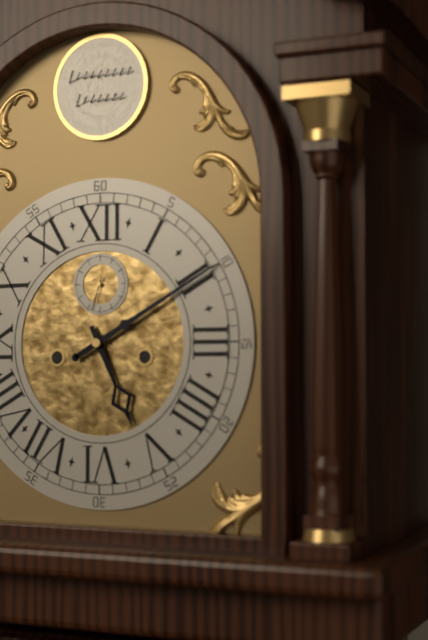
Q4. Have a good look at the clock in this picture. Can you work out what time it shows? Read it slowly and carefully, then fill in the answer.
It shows 5:10:33
